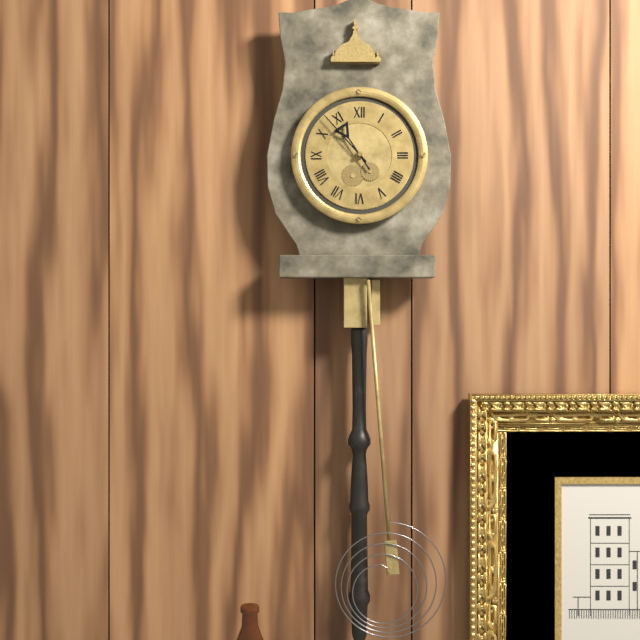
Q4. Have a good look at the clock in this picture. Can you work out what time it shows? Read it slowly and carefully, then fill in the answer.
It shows 10:53
